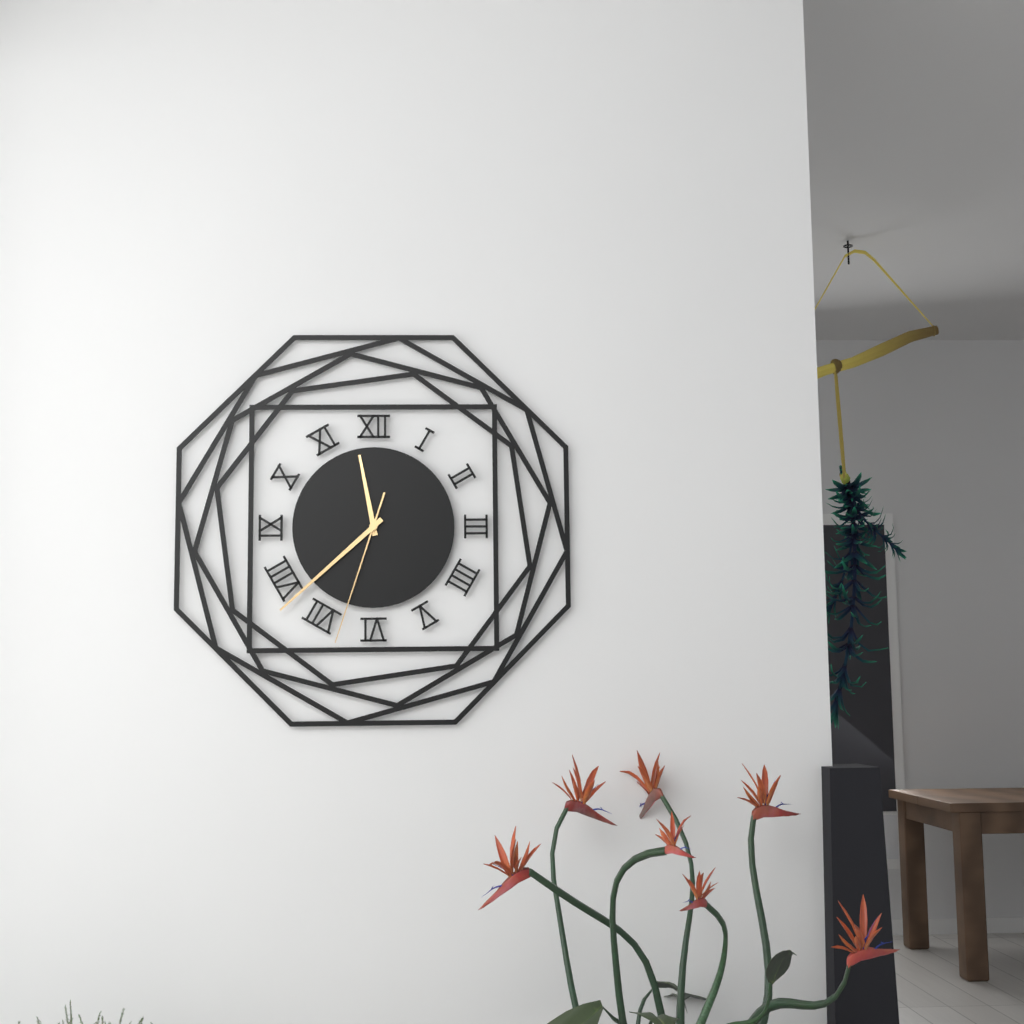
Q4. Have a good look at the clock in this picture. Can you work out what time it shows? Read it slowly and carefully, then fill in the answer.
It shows 11:38:33
